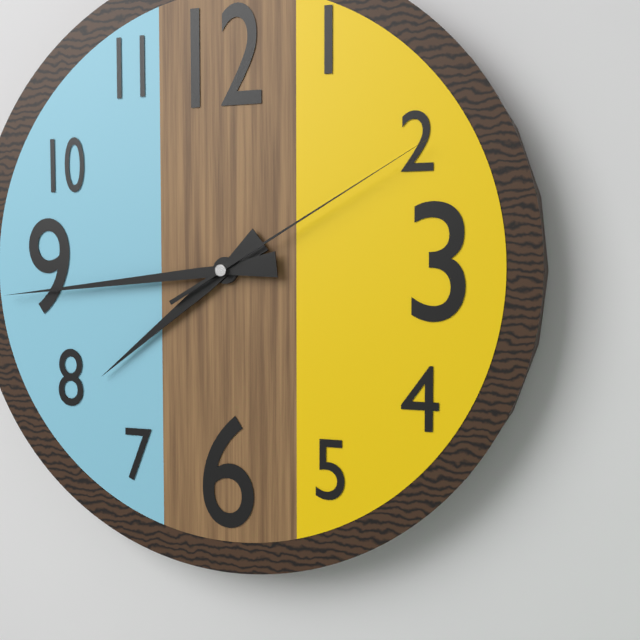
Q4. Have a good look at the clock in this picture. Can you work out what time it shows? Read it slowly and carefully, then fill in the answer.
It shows 7:44:10
